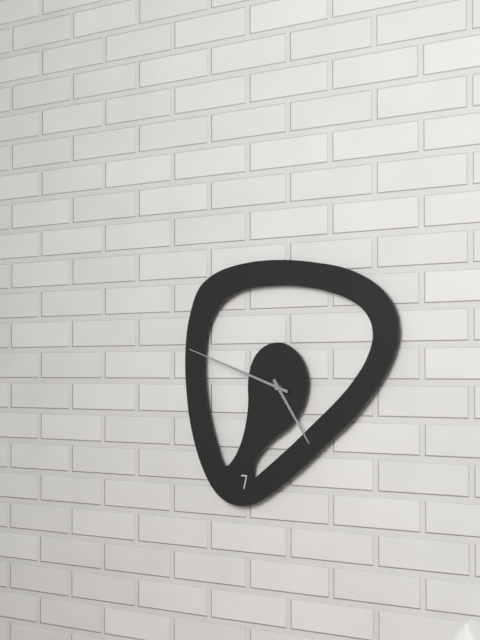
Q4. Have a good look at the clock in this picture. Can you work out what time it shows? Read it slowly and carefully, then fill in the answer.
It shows 4:48
